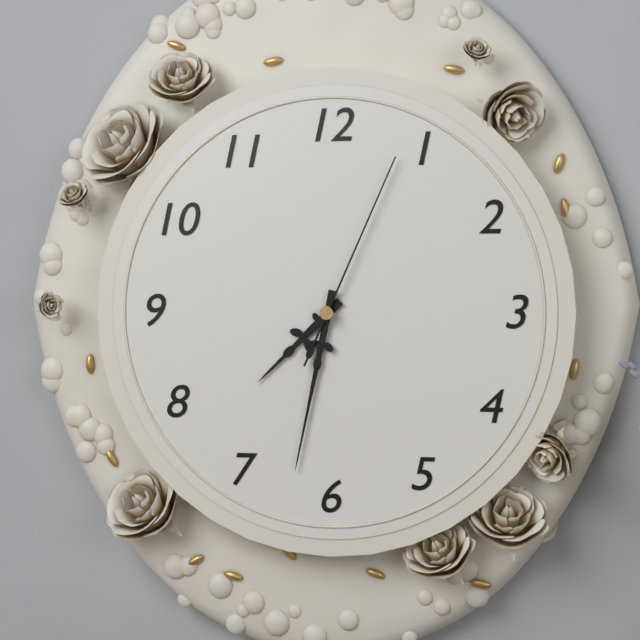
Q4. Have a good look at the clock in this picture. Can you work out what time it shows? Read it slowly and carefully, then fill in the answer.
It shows 7:32:04
